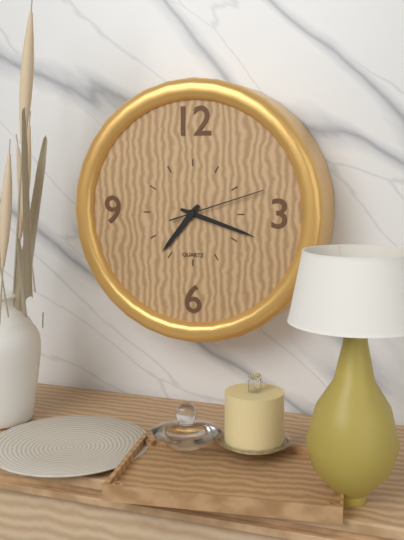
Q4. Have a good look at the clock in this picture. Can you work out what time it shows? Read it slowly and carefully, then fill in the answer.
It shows 7:18:12
